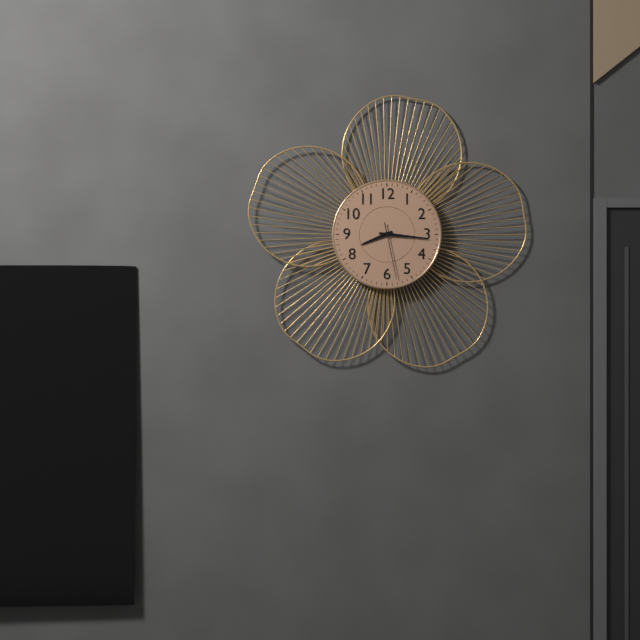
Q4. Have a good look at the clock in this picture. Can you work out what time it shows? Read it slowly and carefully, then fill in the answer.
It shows 8:16:28
